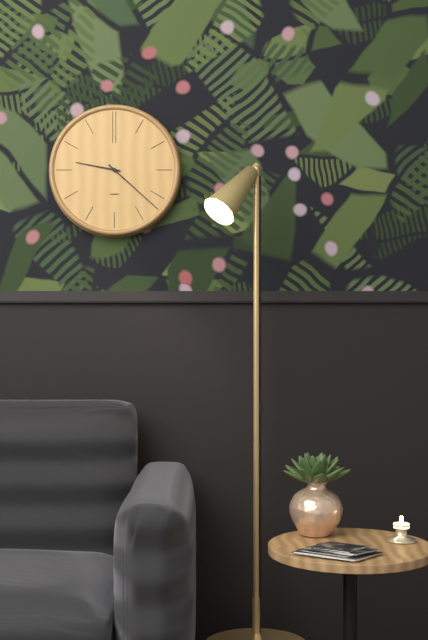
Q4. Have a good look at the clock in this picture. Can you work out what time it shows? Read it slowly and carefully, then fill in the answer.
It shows 9:22
